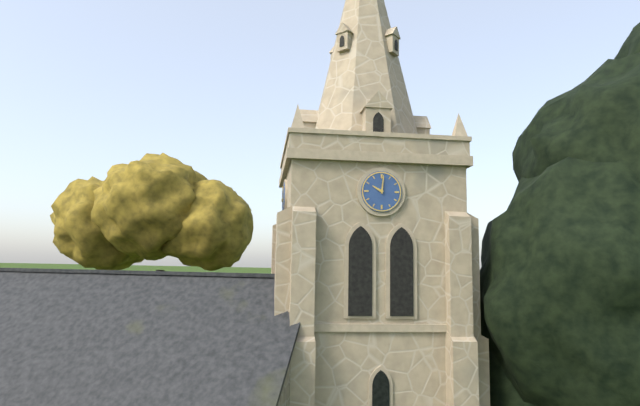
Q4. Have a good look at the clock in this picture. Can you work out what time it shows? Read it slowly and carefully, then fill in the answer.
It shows 10:01
